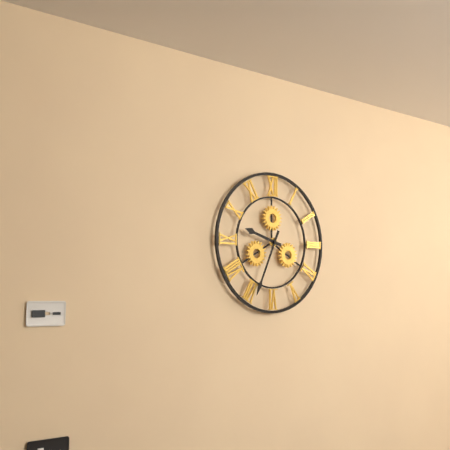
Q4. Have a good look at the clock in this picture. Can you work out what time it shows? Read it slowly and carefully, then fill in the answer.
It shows 9:34
